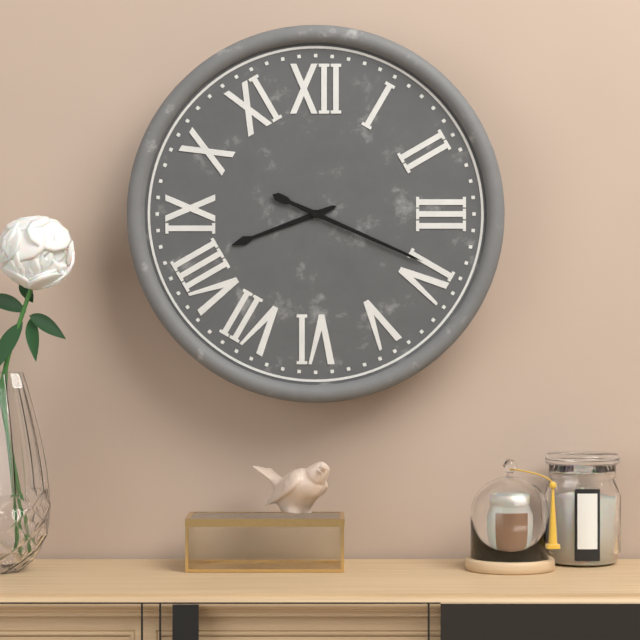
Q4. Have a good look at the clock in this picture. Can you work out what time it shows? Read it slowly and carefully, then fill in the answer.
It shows 8:19
